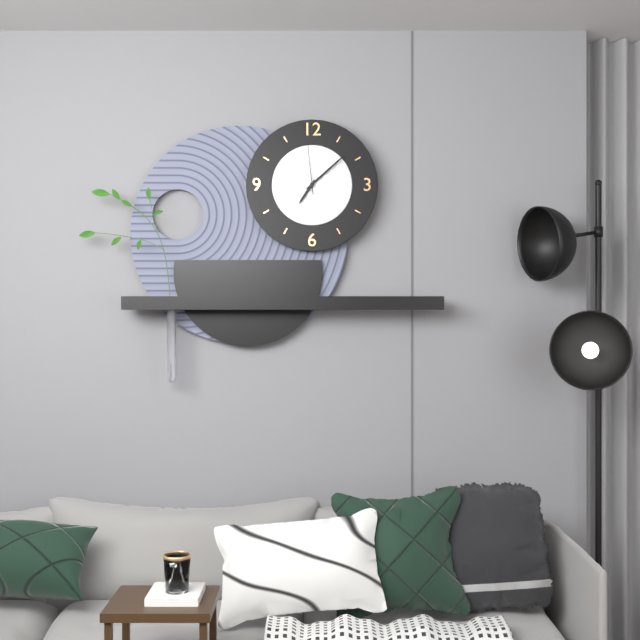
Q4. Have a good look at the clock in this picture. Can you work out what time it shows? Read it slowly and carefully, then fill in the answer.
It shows 7:08:59
